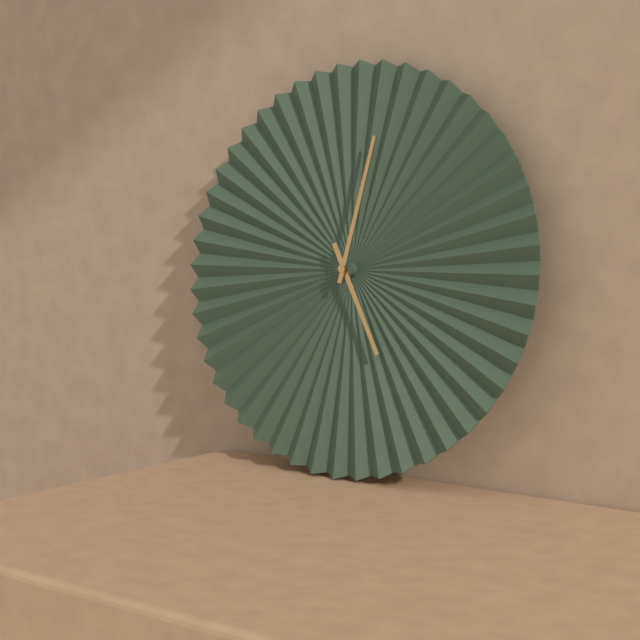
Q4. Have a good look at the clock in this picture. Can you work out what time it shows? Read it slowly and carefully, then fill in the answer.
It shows 5:02
